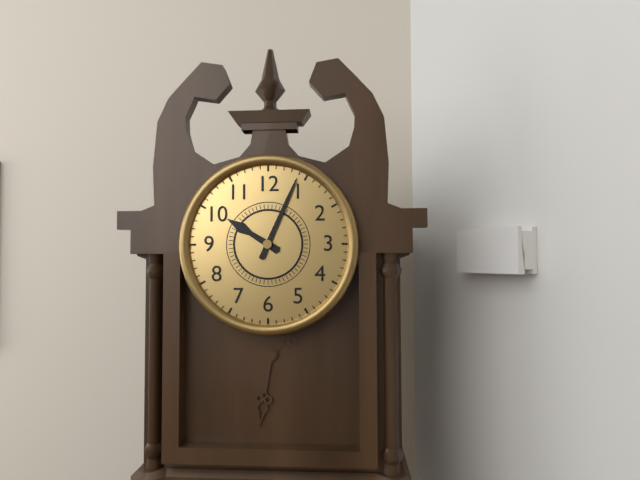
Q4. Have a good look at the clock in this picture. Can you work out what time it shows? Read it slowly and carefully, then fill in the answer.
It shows 10:04
